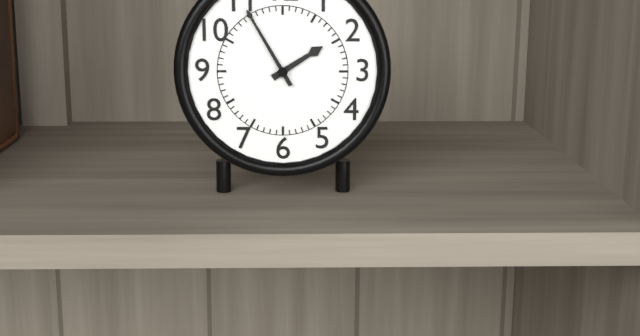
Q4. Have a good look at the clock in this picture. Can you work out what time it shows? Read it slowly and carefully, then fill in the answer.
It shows 1:55
